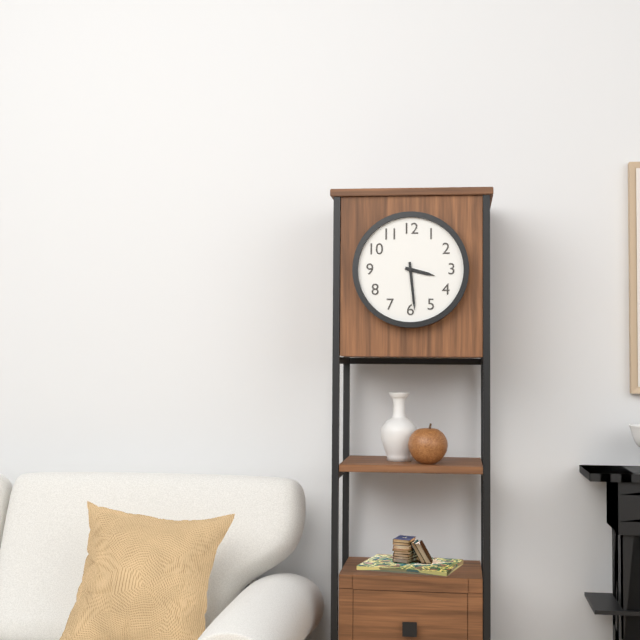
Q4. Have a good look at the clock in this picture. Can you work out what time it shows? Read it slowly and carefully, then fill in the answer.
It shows 3:29
